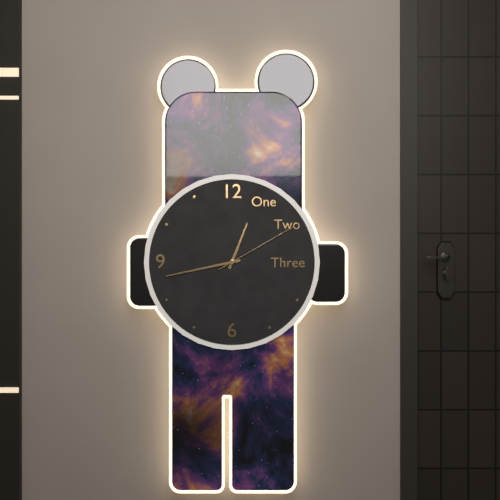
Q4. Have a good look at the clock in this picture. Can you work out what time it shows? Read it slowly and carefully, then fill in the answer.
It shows 12:43:10
